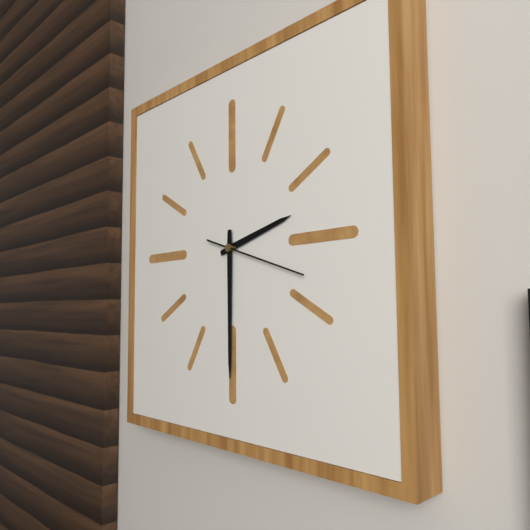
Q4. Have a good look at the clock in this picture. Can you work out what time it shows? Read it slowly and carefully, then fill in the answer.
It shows 2:30:18
